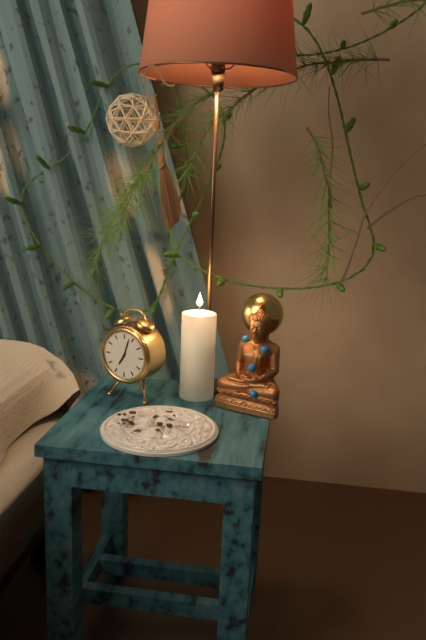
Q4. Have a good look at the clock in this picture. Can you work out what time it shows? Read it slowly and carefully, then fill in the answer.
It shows 7:03
